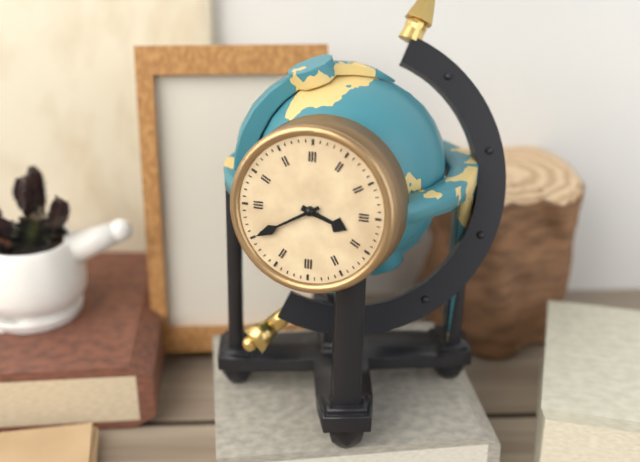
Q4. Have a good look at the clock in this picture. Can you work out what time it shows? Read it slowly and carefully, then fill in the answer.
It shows 3:40
